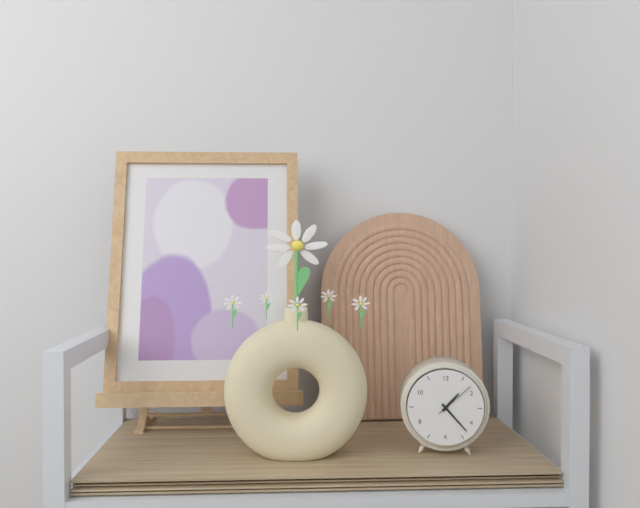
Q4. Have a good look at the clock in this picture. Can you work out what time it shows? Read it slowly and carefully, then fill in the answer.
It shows 1:23
